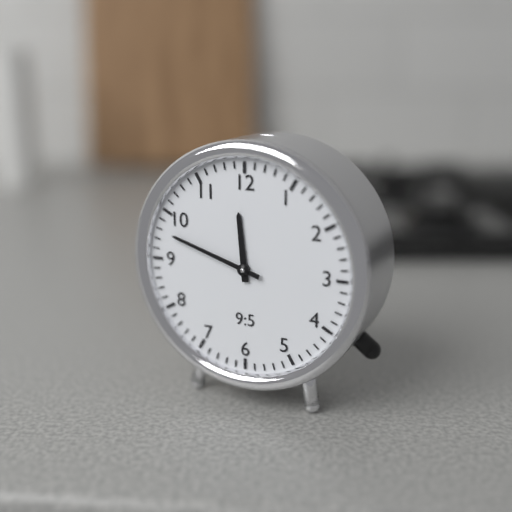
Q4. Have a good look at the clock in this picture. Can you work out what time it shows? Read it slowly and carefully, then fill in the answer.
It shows 11:48
